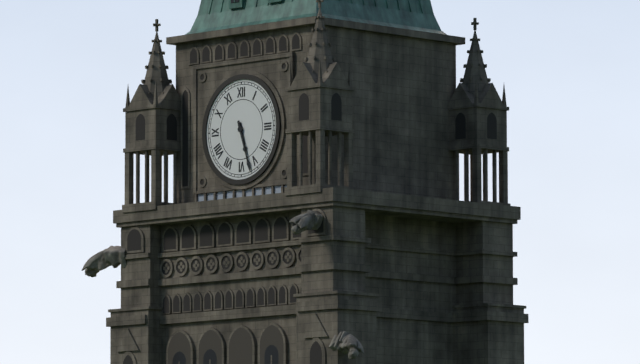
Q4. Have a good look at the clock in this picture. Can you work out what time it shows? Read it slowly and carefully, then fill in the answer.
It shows 5:27
